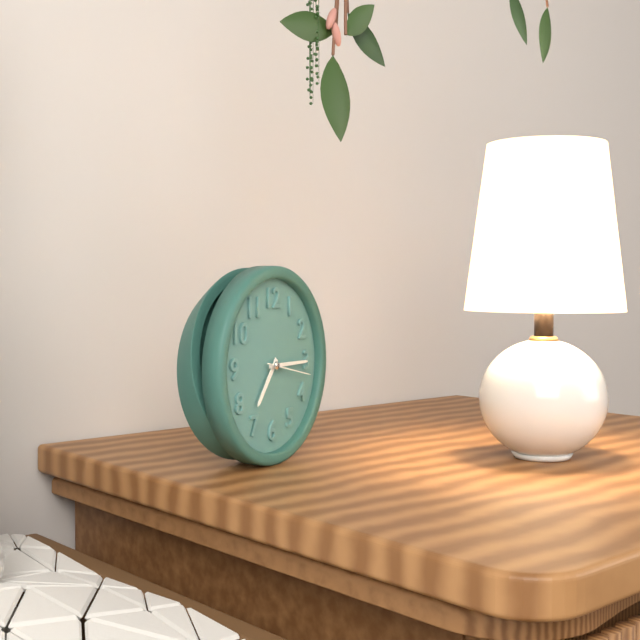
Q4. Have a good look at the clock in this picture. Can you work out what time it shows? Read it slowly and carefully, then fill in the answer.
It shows 7:15
